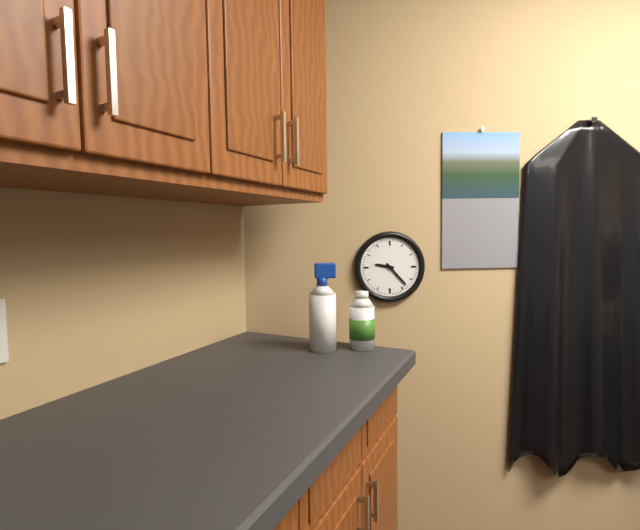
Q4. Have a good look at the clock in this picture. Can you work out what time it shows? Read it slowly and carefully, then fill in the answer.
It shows 9:23
